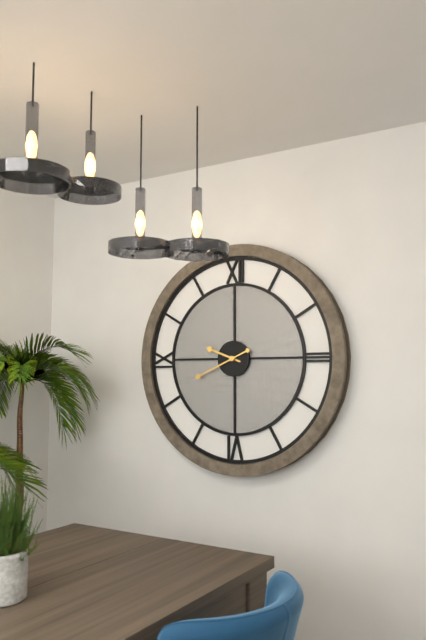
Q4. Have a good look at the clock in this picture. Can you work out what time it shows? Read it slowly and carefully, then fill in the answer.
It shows 9:41
